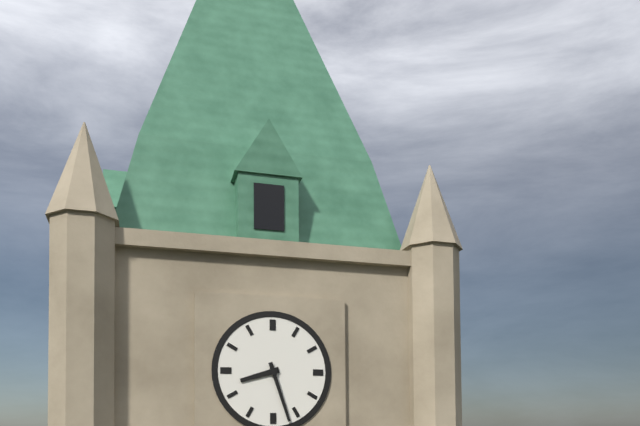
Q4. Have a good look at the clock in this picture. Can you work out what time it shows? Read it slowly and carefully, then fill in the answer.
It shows 8:27
